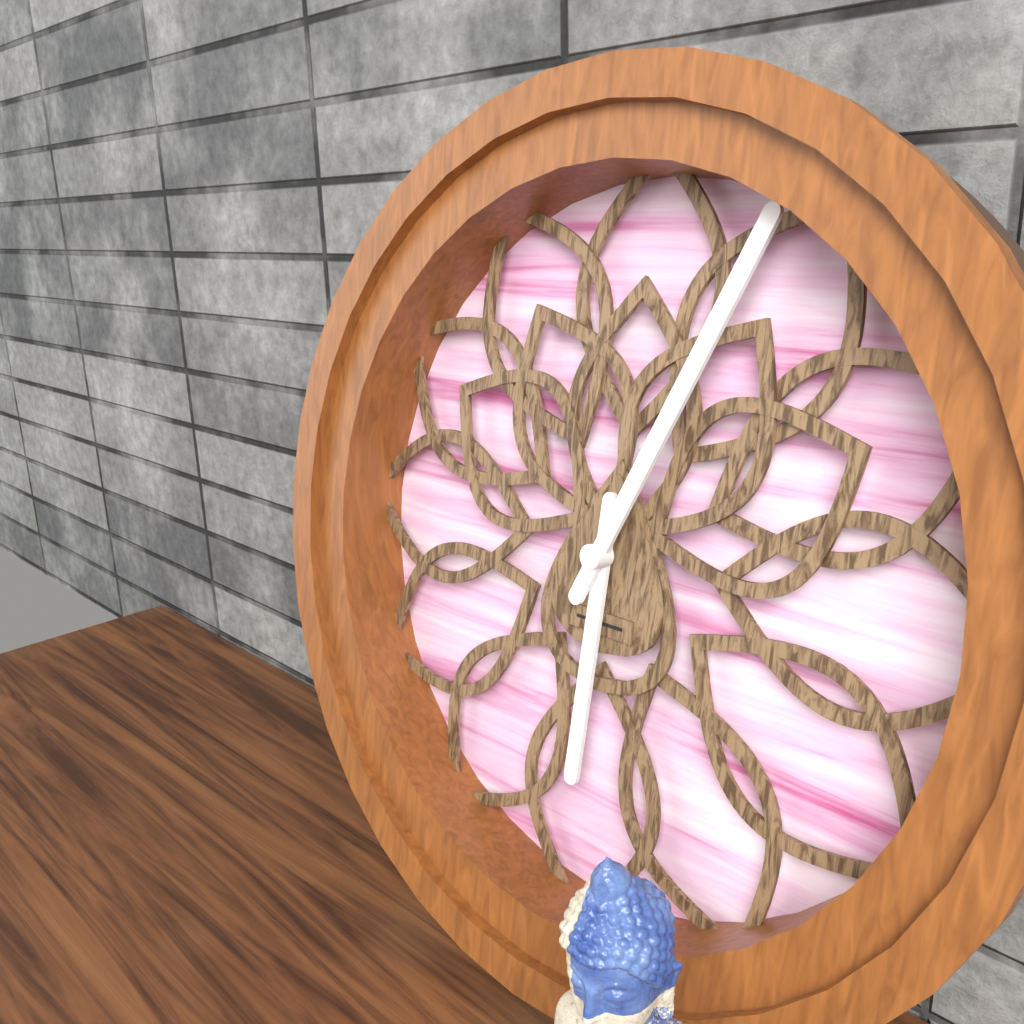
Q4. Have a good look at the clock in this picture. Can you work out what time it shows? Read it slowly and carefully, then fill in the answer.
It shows 6:04
